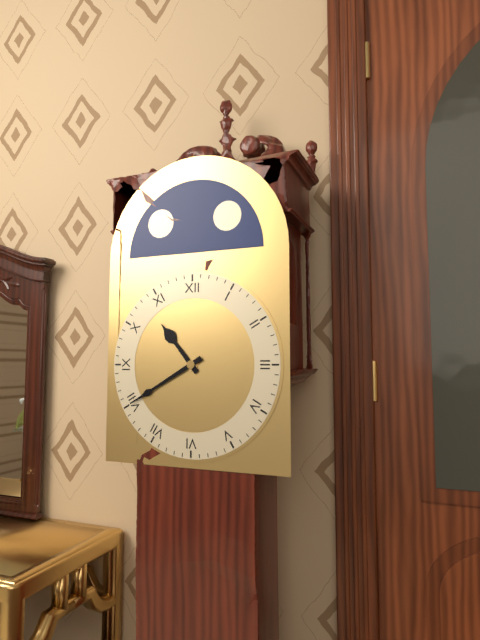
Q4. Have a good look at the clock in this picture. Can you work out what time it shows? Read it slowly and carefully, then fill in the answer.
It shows 10:40
